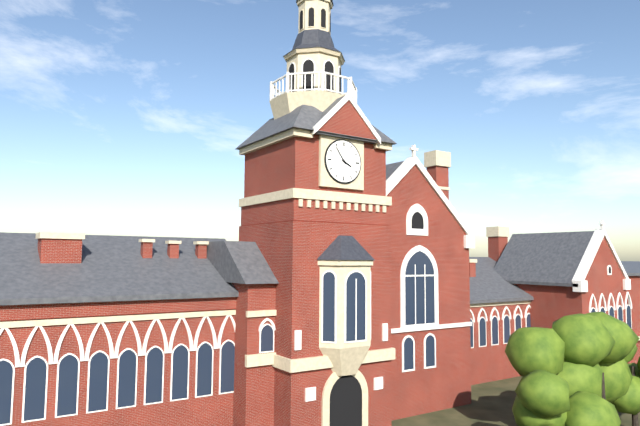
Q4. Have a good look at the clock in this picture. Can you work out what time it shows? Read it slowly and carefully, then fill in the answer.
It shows 3:54
